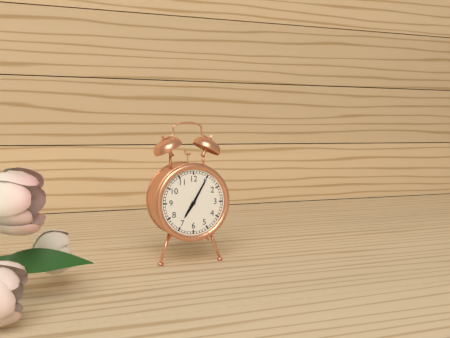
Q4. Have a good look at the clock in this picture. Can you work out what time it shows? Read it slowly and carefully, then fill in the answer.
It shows 7:05
